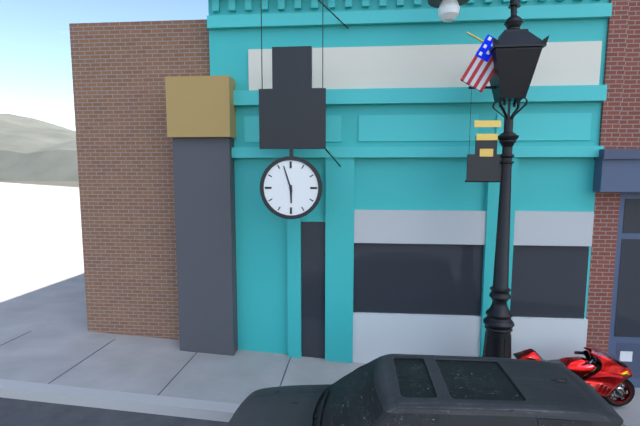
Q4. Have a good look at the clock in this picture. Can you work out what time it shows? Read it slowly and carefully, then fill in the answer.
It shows 5:57
